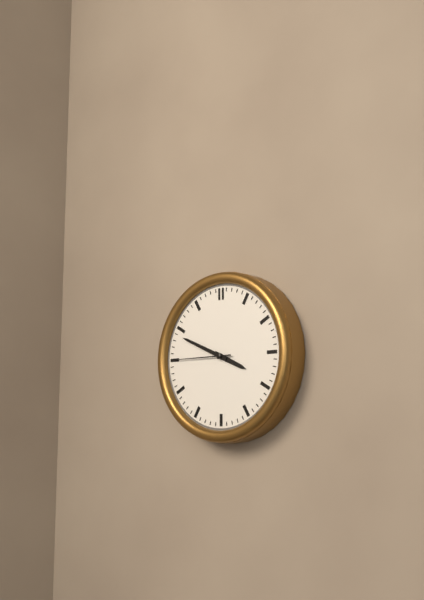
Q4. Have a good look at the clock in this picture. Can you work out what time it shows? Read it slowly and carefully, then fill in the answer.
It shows 3:49:45
